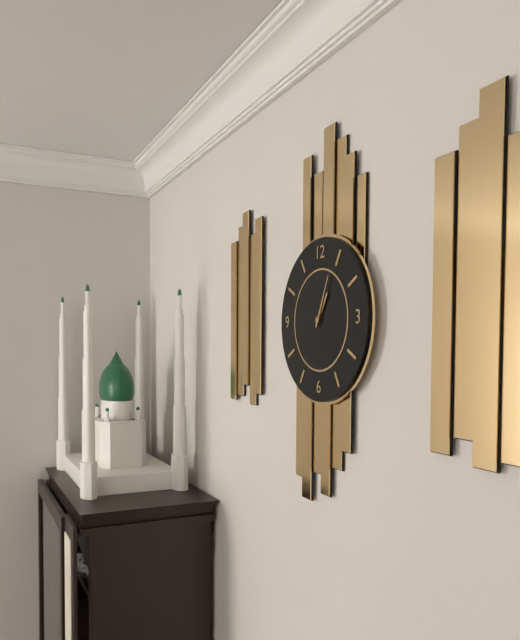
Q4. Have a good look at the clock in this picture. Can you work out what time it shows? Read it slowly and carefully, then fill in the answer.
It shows 1:04
